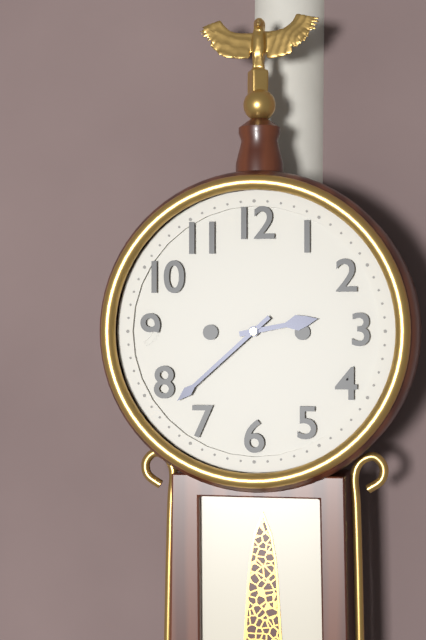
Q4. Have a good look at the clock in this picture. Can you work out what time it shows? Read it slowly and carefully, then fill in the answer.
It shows 2:38
